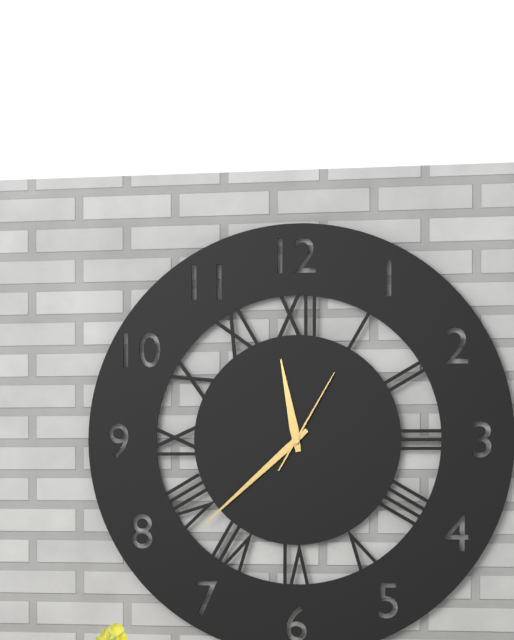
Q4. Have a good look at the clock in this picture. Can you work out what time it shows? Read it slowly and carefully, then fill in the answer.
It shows 11:38:05
